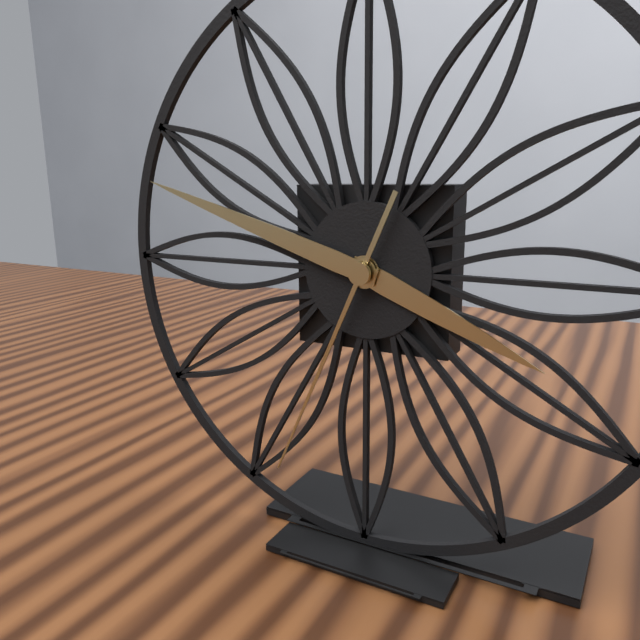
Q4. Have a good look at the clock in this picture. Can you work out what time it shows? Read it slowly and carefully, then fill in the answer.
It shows 3:48:34
